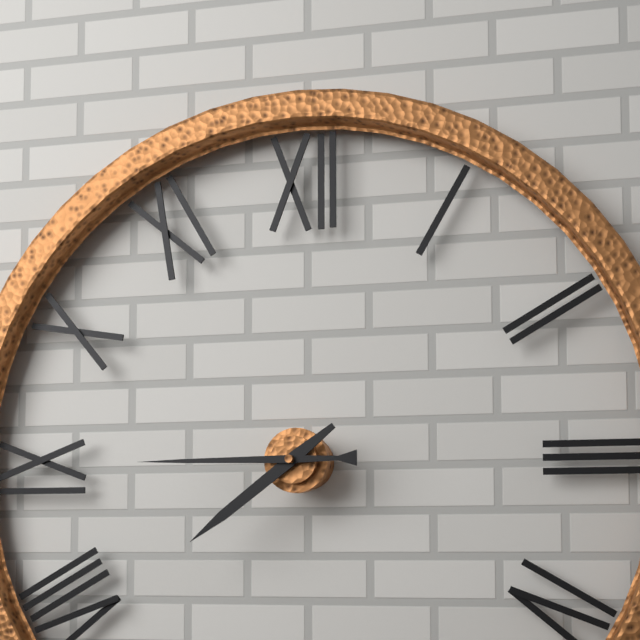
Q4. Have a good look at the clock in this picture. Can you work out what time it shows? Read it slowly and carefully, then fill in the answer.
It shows 7:45
